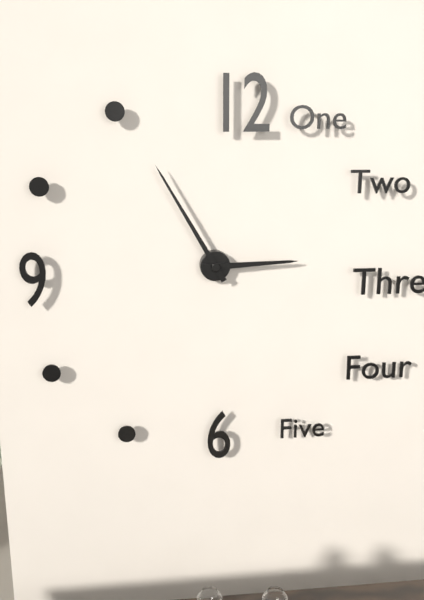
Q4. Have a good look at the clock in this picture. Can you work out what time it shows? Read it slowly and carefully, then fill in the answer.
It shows 2:55
